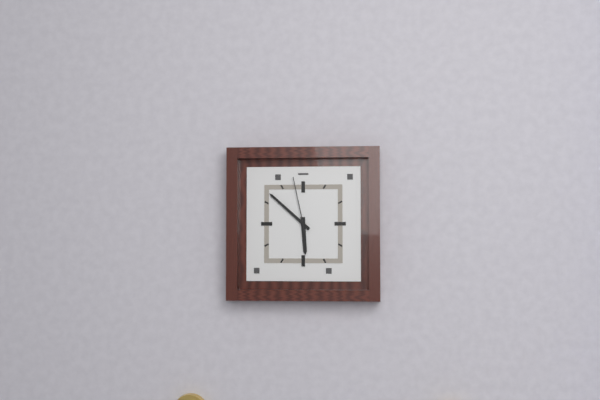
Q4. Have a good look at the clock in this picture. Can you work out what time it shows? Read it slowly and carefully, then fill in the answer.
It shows 5:52:58
